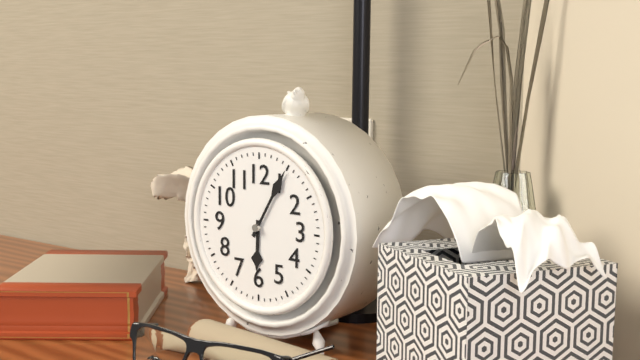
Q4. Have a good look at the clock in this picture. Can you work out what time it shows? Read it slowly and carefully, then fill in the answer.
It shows 6:05
